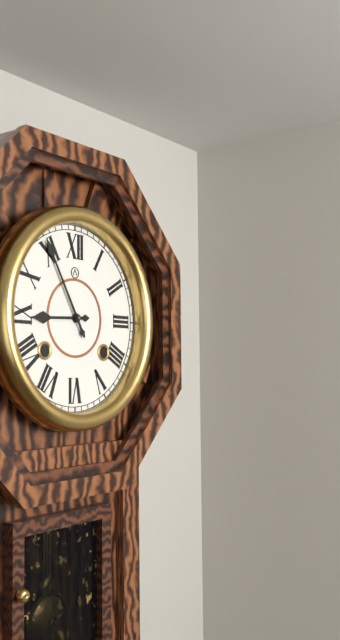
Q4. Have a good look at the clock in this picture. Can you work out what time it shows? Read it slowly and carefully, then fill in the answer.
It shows 8:55
